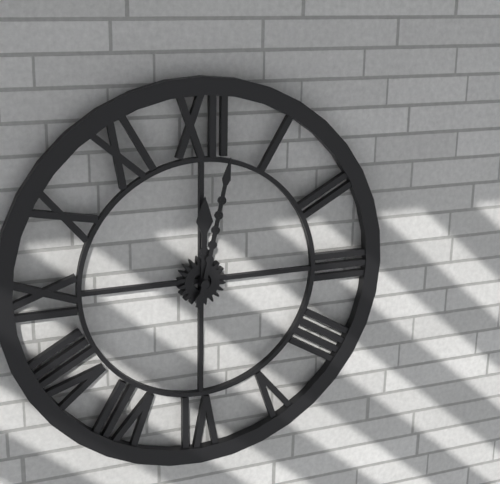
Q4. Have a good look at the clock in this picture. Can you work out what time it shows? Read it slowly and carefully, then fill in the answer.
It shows 12:02
